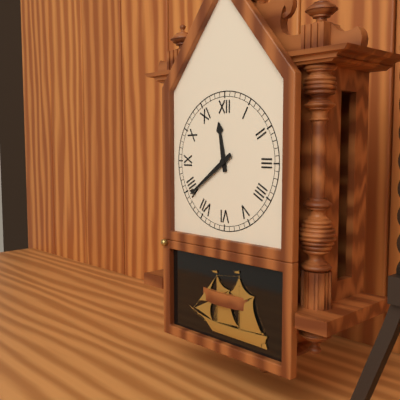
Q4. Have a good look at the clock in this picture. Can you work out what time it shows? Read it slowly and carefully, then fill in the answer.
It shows 11:39
